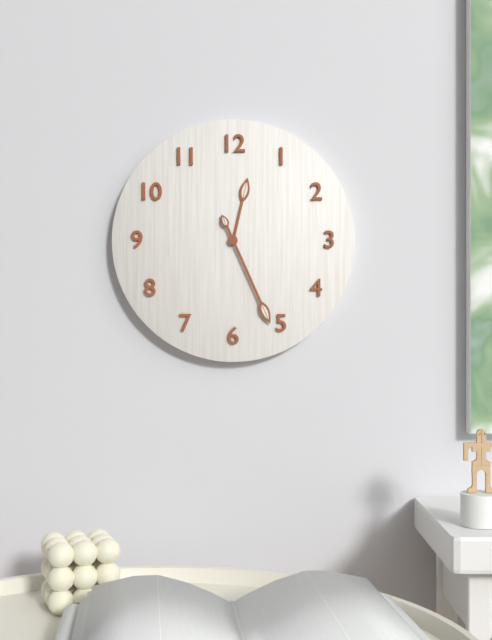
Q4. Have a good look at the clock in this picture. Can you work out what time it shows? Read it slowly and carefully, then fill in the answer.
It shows 12:26
